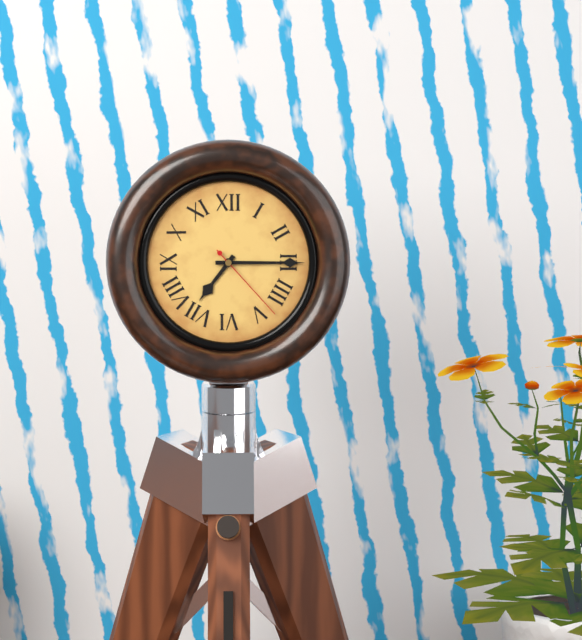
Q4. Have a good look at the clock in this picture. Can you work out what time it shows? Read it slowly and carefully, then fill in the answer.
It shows 7:15:23
